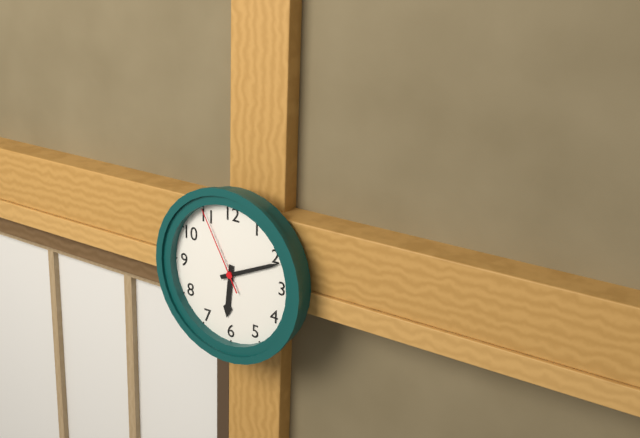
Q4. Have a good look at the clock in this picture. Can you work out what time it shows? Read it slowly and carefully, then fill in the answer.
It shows 6:11:55
